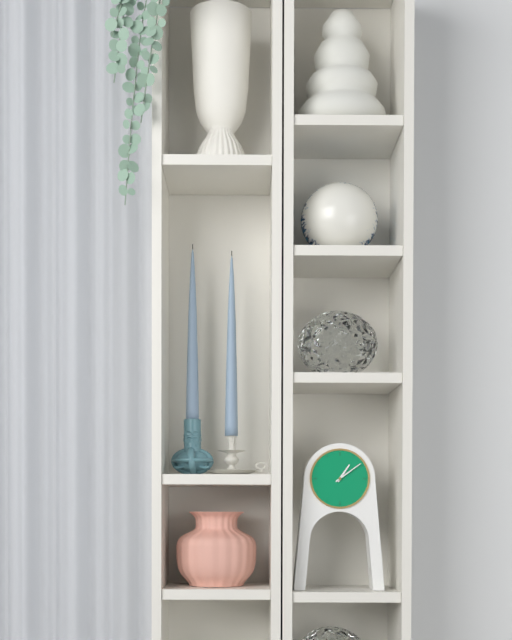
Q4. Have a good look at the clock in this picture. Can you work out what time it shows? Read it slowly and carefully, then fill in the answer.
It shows 1:09
